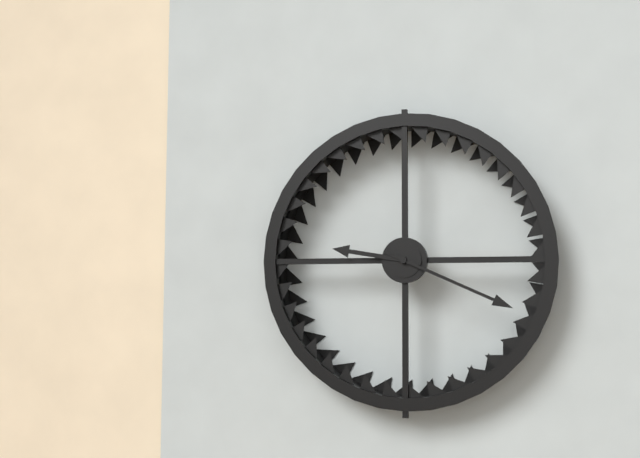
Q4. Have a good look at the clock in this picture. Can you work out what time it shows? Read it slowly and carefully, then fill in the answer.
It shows 9:19
